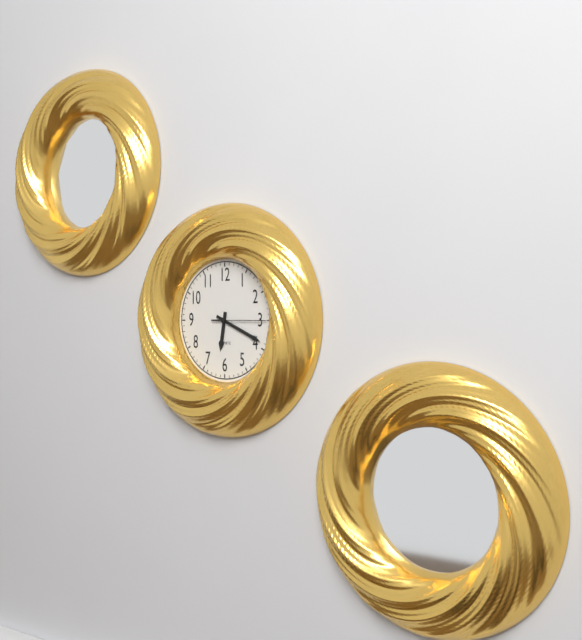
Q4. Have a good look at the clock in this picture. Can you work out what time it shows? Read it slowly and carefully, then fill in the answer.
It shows 6:19
